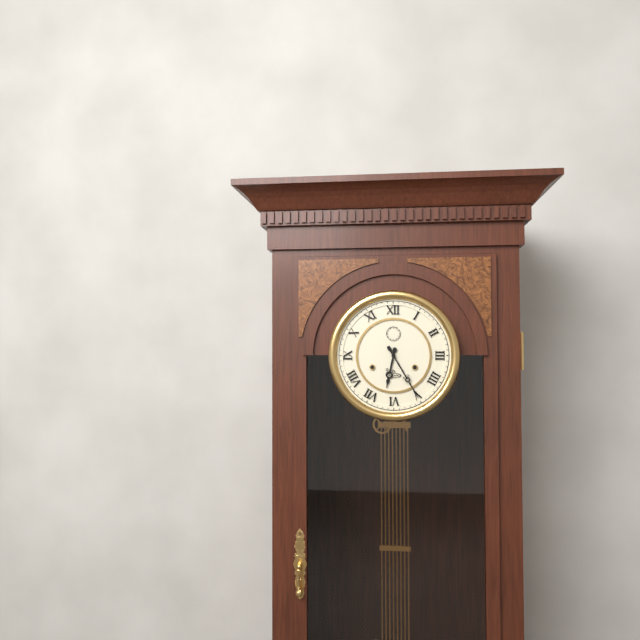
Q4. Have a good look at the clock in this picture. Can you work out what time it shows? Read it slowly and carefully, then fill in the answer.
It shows 6:25
